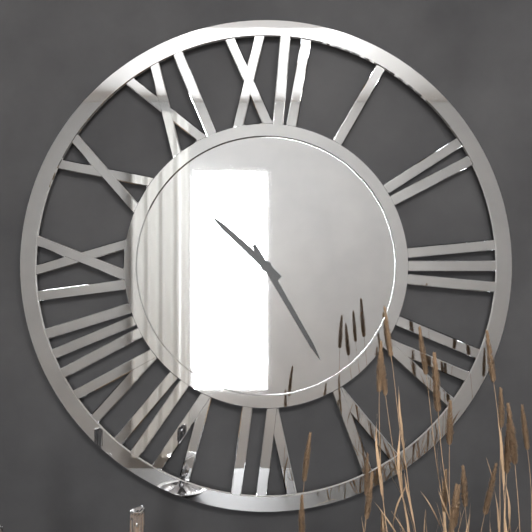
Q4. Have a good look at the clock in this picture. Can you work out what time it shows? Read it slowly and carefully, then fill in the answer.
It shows 10:25
